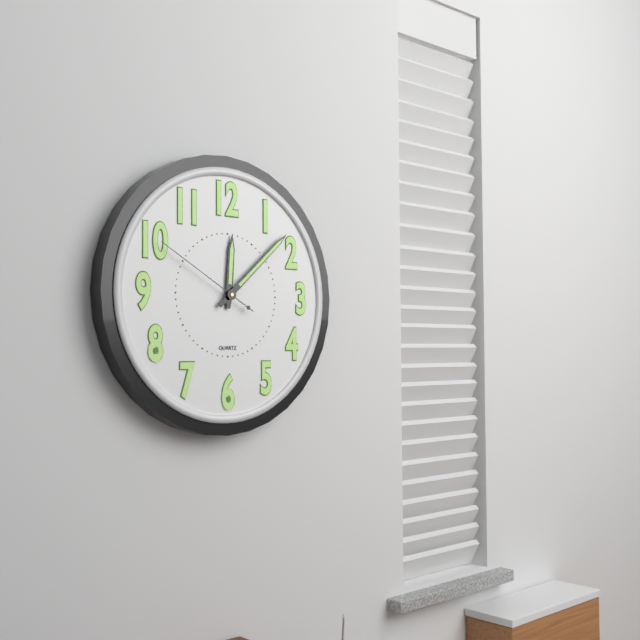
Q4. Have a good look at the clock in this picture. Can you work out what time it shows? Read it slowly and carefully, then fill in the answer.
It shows 12:08:50
